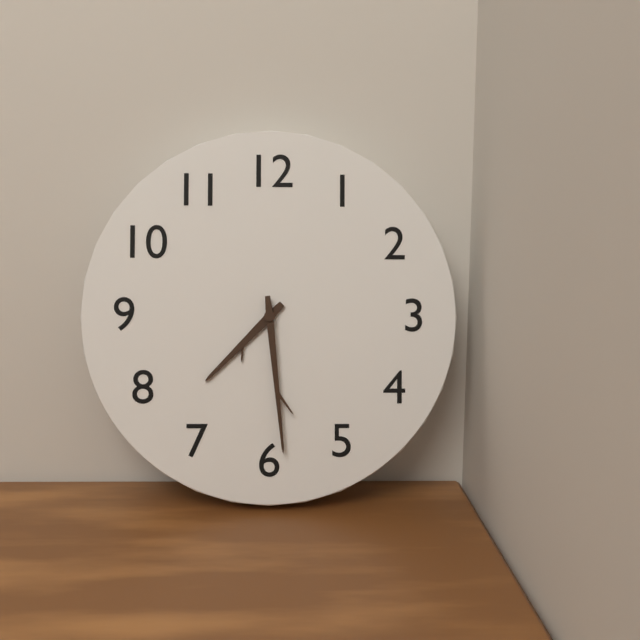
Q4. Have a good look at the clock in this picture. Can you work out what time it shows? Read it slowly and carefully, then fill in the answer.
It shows 7:29
